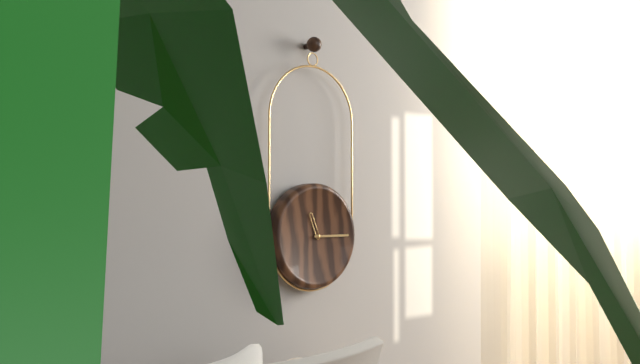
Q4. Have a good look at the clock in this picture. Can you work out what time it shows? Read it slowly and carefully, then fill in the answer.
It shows 11:15
